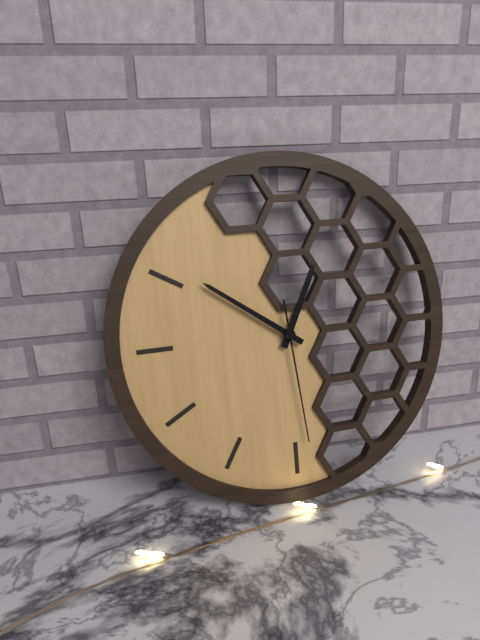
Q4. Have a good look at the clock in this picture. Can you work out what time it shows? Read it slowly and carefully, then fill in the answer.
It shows 12:51:29
